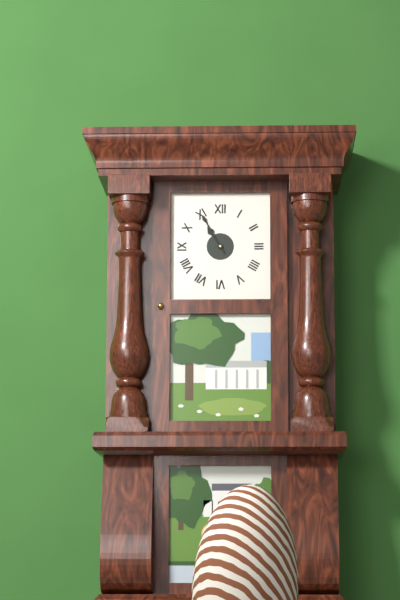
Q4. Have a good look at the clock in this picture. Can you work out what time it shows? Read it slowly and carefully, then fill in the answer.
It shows 10:55
